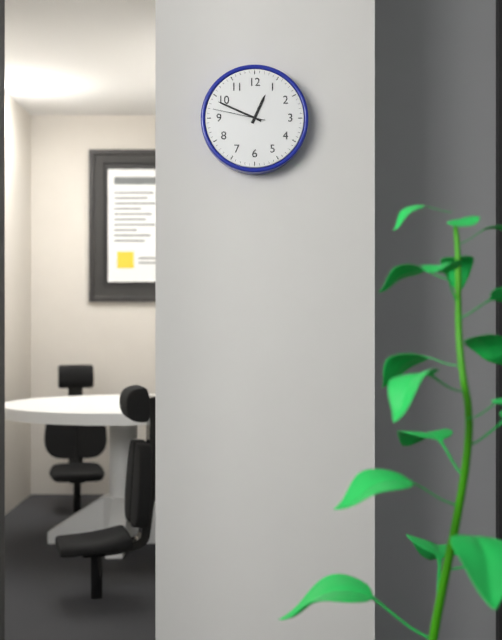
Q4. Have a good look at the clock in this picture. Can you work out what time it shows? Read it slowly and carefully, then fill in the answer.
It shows 12:49:47
